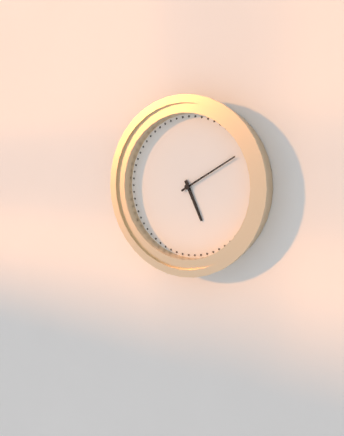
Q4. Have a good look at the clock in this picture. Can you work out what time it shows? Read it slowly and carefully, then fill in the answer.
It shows 5:10
